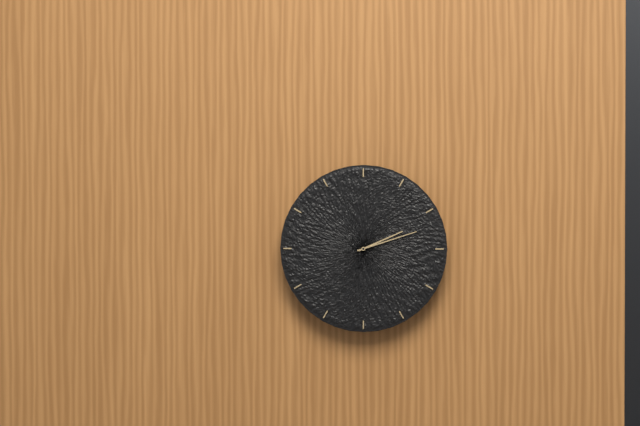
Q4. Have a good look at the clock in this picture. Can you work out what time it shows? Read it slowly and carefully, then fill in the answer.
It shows 2:12
